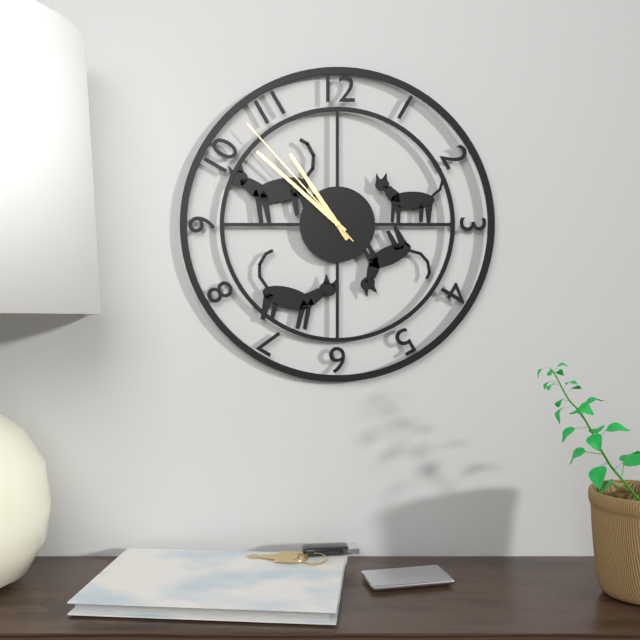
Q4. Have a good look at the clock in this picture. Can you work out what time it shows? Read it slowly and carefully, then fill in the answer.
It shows 10:52:53
